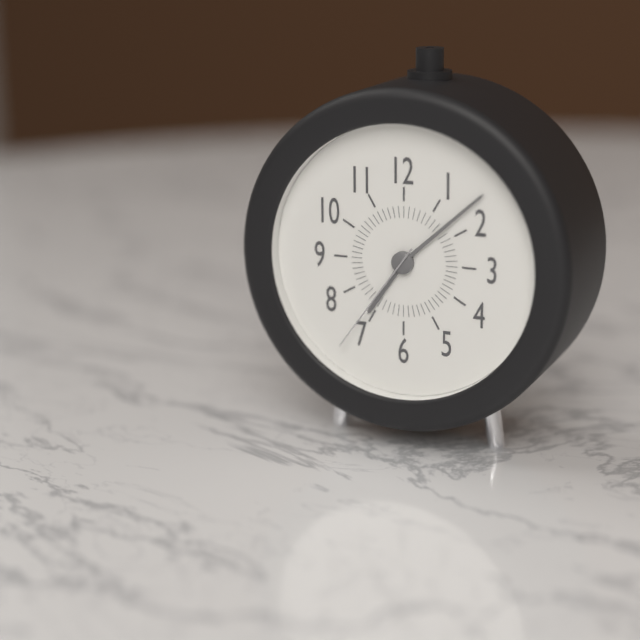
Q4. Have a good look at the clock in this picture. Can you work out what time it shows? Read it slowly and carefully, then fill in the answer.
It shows 7:08:36
